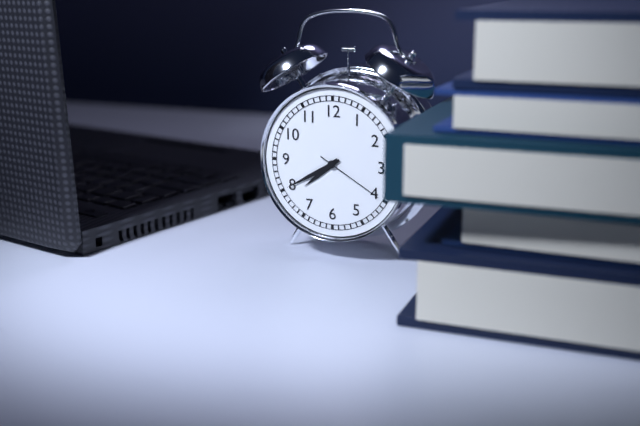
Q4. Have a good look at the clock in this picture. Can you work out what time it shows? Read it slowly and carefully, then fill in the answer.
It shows 7:40:20
